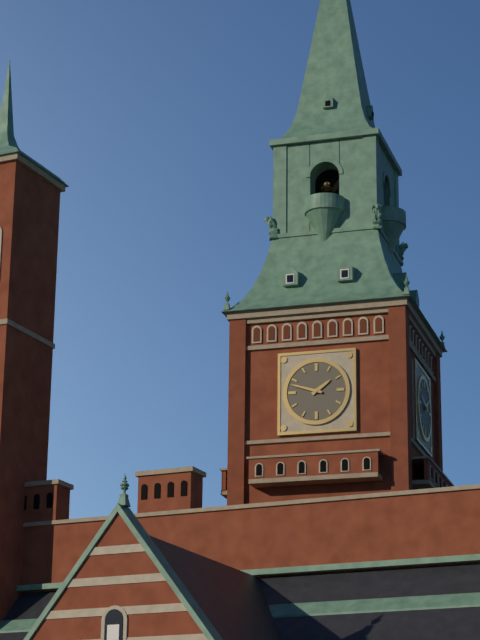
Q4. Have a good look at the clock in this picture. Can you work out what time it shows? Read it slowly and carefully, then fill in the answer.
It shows 1:48
